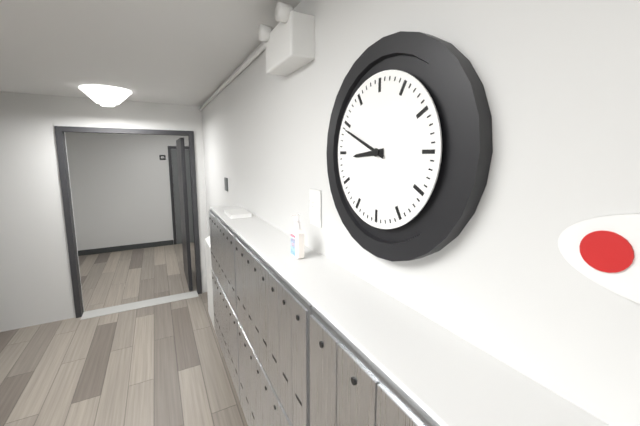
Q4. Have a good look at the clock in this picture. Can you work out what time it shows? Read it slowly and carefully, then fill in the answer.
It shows 8:49
